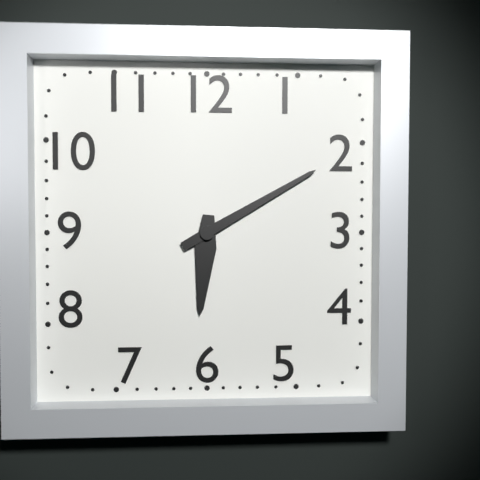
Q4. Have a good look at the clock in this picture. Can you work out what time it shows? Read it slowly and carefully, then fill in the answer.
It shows 6:10
